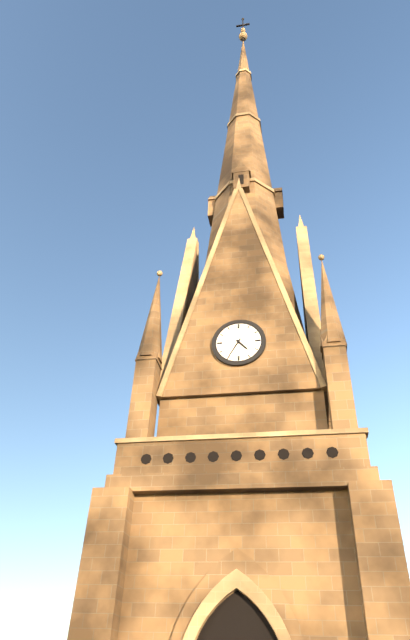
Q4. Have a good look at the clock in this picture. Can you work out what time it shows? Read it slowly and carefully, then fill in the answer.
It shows 4:35
